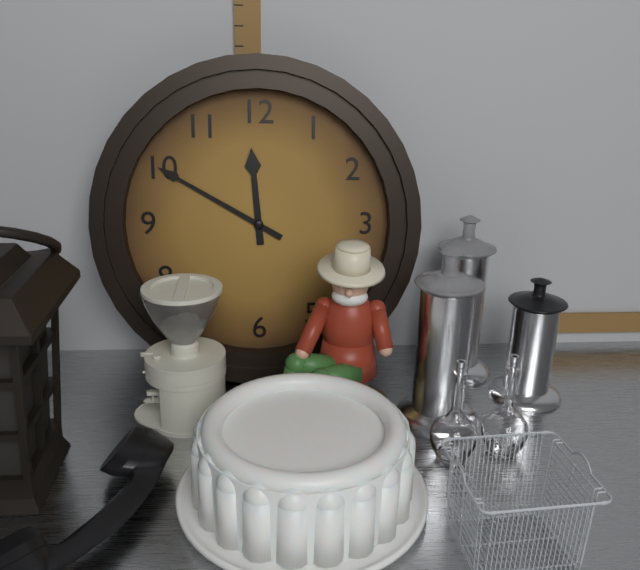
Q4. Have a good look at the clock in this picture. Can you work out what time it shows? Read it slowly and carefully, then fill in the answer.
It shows 11:50
